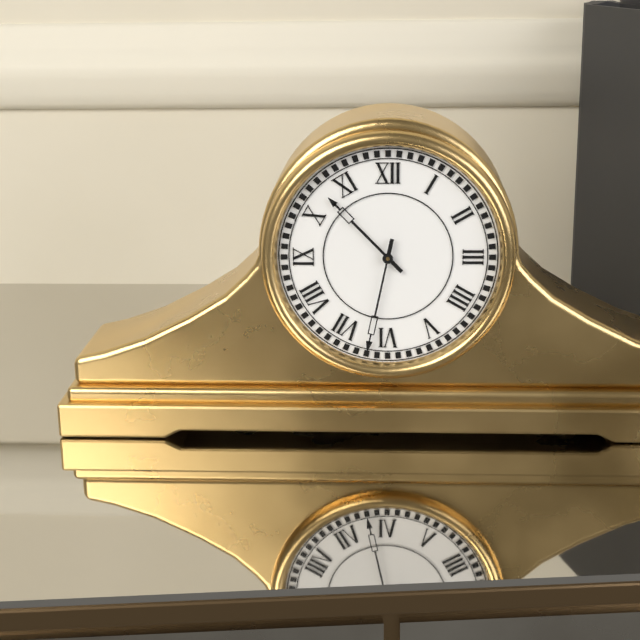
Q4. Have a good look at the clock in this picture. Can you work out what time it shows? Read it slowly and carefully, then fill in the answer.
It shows 10:32
